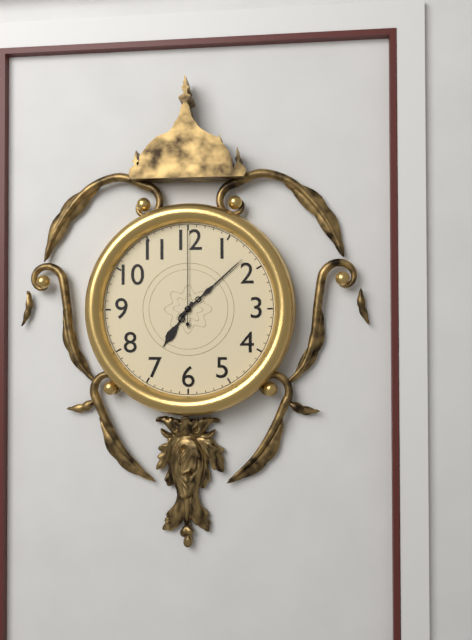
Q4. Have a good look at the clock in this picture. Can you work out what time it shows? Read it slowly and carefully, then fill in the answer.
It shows 7:08:00
